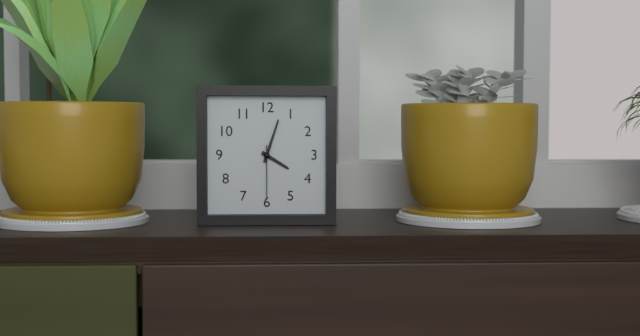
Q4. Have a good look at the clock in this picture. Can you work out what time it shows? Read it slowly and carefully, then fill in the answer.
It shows 4:03:30
